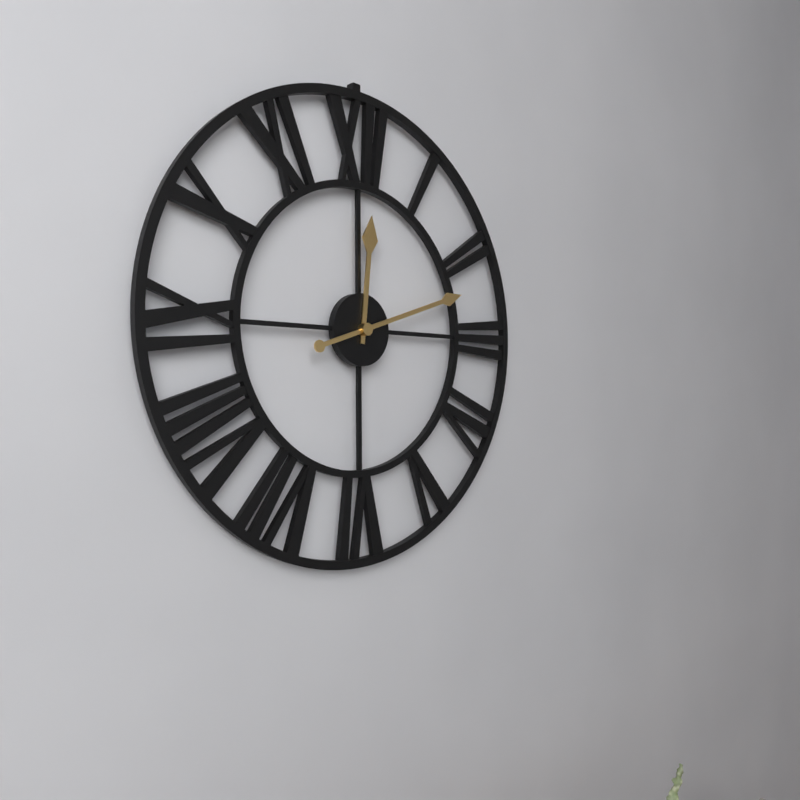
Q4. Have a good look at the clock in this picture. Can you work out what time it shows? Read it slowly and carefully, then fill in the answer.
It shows 12:12
